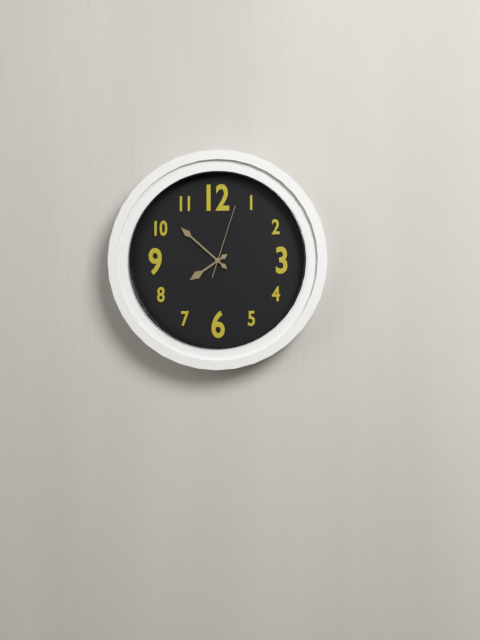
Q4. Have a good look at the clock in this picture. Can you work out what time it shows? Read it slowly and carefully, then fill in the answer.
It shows 7:52:03
